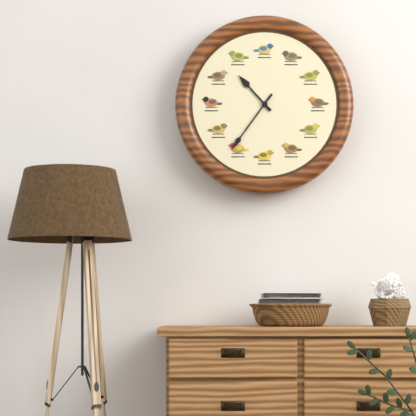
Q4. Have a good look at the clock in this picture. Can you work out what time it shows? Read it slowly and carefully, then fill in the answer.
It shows 10:36
